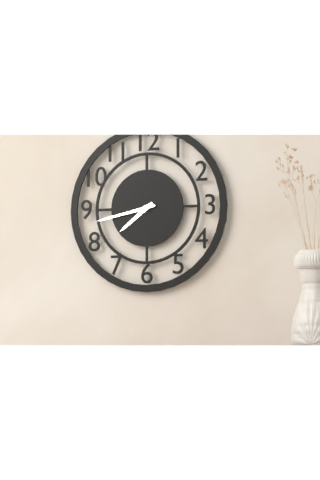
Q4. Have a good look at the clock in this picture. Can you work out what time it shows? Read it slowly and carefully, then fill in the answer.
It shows 7:43
